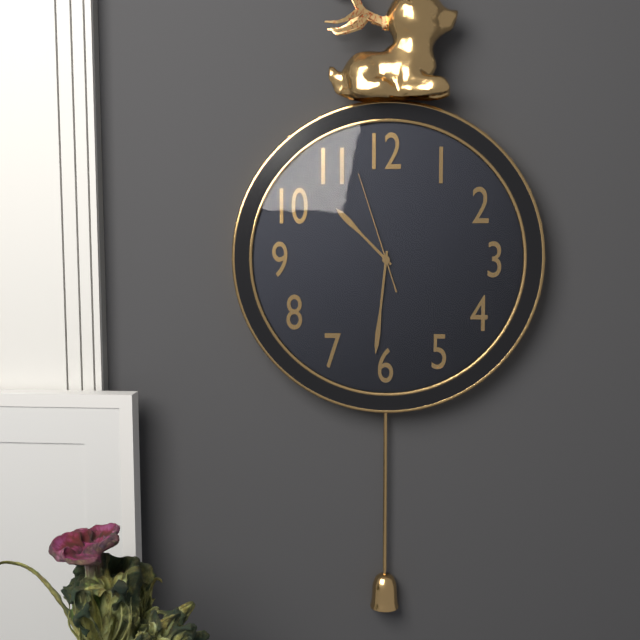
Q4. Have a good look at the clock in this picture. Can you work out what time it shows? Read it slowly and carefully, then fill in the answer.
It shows 10:31:57
